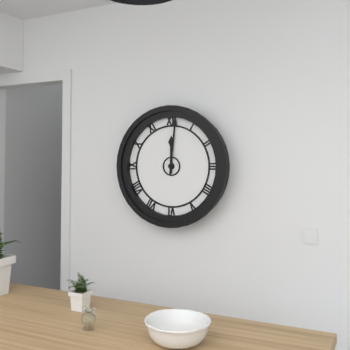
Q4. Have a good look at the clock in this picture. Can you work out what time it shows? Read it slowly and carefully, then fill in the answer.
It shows 12:01
